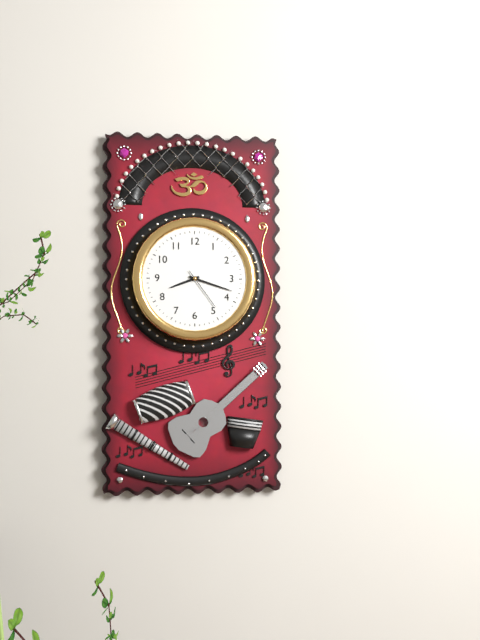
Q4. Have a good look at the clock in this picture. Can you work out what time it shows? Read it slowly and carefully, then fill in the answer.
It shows 8:18
